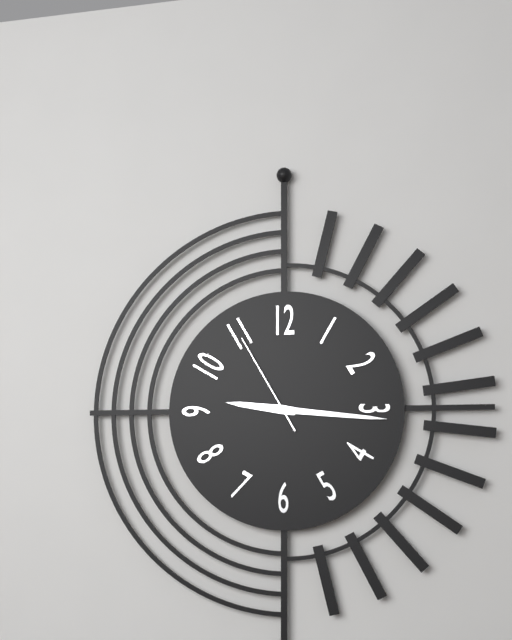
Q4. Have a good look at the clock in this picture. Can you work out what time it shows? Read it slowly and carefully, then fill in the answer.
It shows 9:16:55
